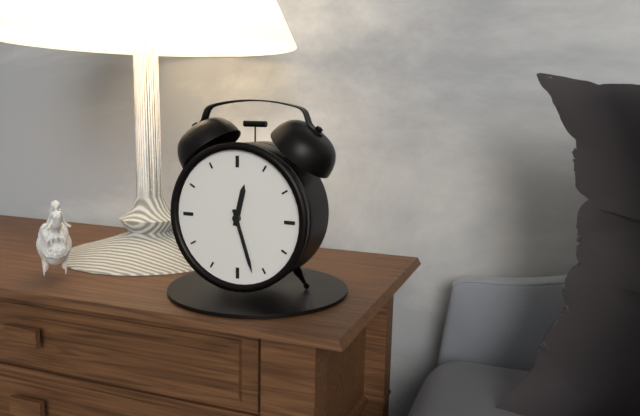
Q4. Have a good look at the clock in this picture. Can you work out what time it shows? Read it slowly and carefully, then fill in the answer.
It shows 12:27
